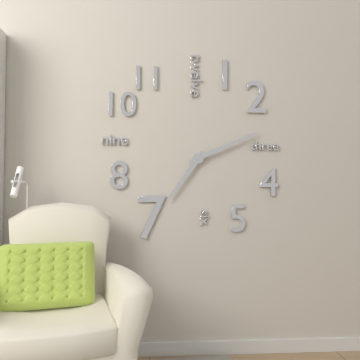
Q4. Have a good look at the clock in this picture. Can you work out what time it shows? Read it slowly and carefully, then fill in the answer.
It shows 7:11
